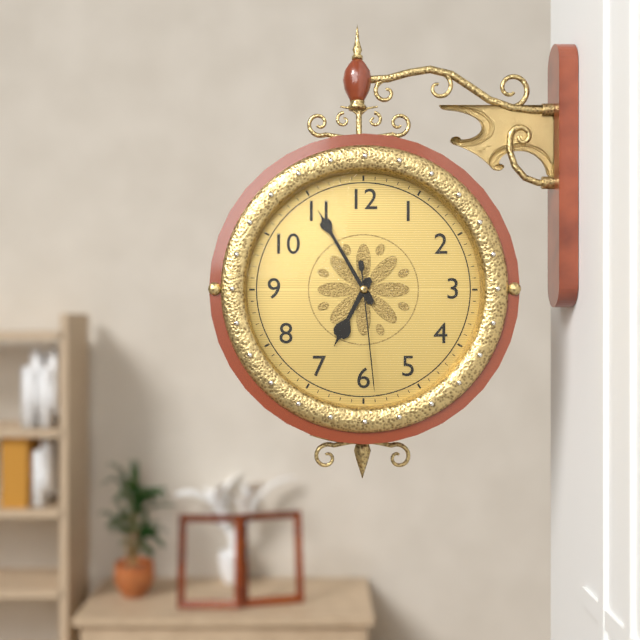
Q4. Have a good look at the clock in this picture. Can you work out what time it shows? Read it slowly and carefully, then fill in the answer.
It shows 6:55:29
